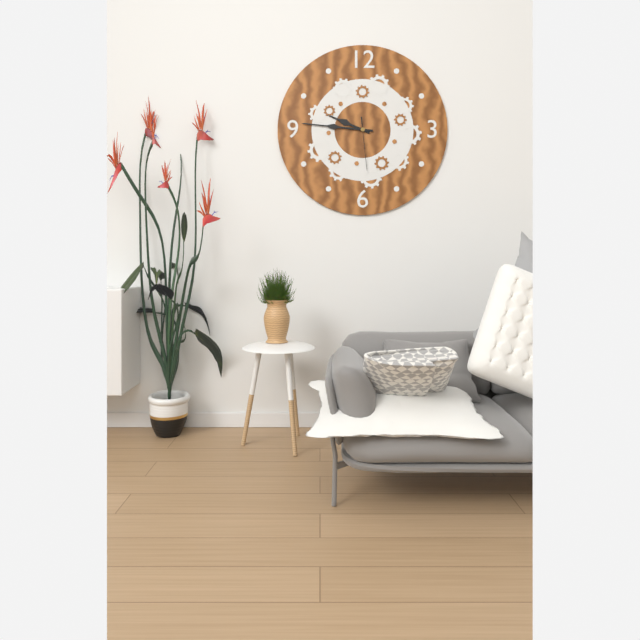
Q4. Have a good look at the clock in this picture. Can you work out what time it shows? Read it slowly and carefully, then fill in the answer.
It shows 9:46:29
